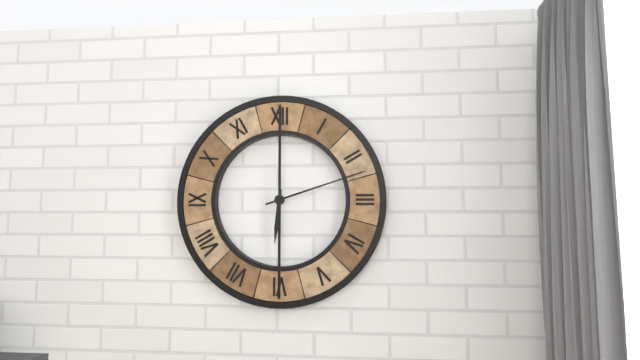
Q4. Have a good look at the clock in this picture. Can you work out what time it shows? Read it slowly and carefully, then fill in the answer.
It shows 6:12
